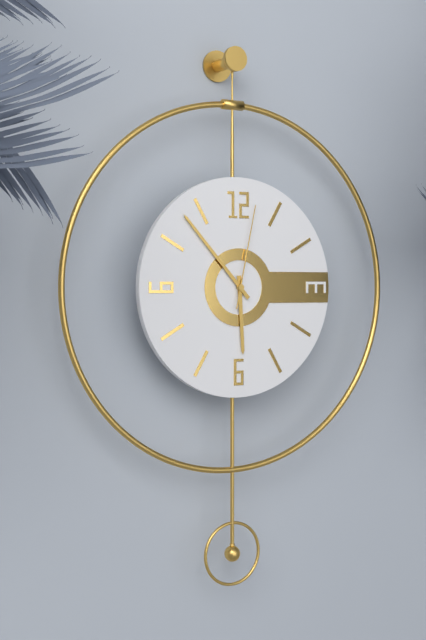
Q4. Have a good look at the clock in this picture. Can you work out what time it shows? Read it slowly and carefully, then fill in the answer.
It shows 5:53:02
